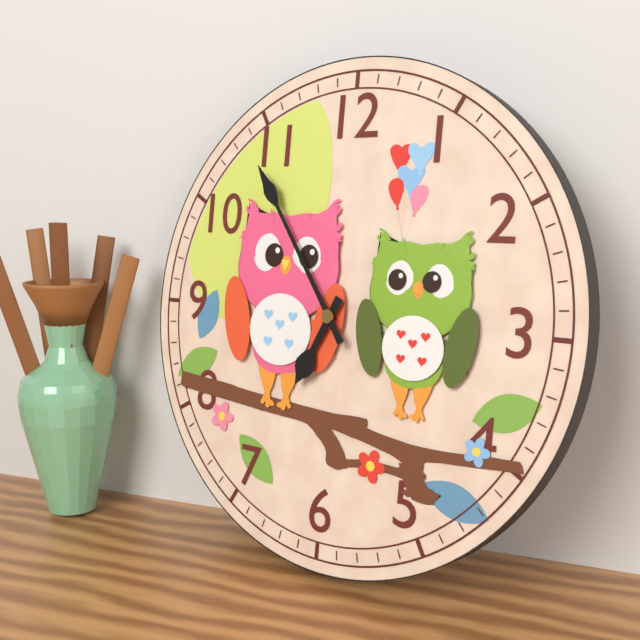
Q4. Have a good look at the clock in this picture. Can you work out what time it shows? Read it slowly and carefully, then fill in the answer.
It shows 6:54
